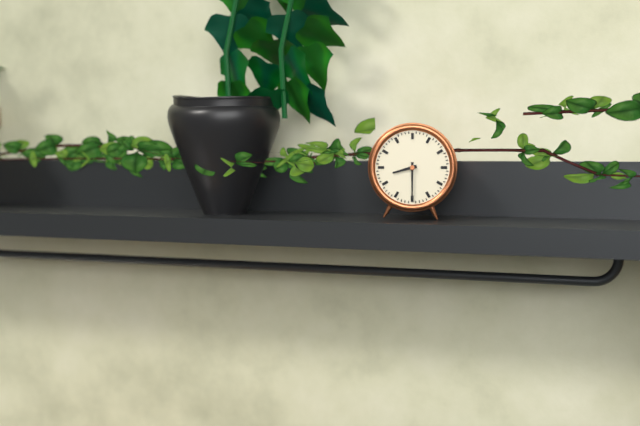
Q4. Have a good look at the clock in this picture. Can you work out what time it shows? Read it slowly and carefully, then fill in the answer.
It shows 8:30
